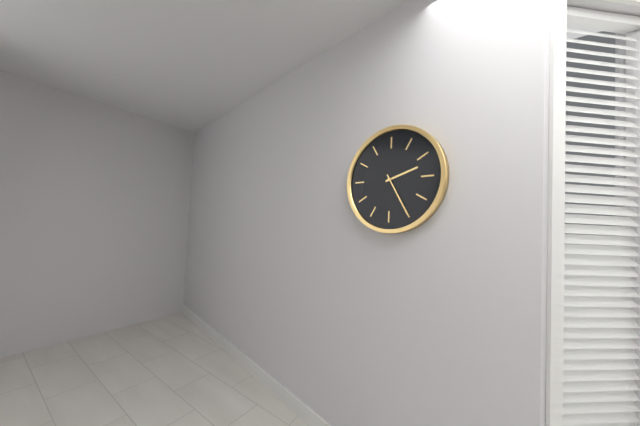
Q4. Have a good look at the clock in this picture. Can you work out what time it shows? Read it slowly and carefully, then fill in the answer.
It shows 2:25
